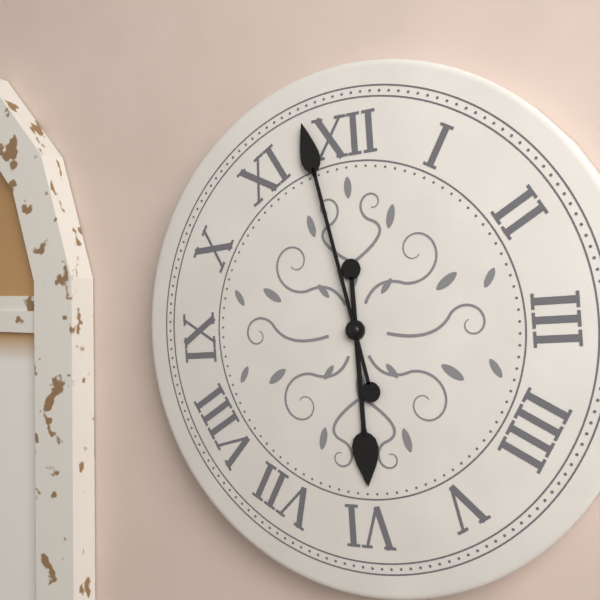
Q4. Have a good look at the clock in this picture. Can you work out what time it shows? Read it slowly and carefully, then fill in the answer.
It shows 5:58
